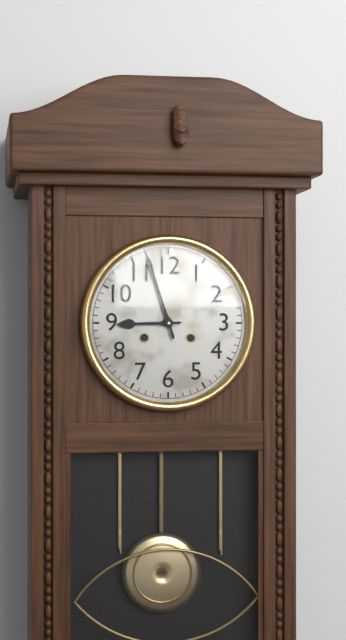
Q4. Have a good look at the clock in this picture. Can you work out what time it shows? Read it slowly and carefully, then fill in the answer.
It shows 8:57
